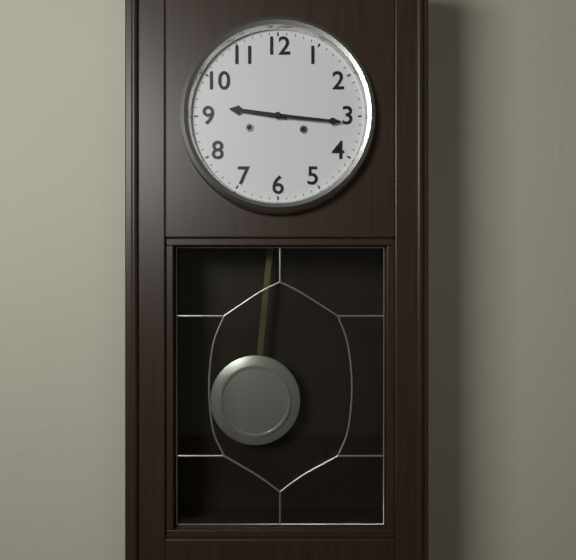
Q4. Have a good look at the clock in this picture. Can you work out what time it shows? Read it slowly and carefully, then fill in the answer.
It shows 9:16
